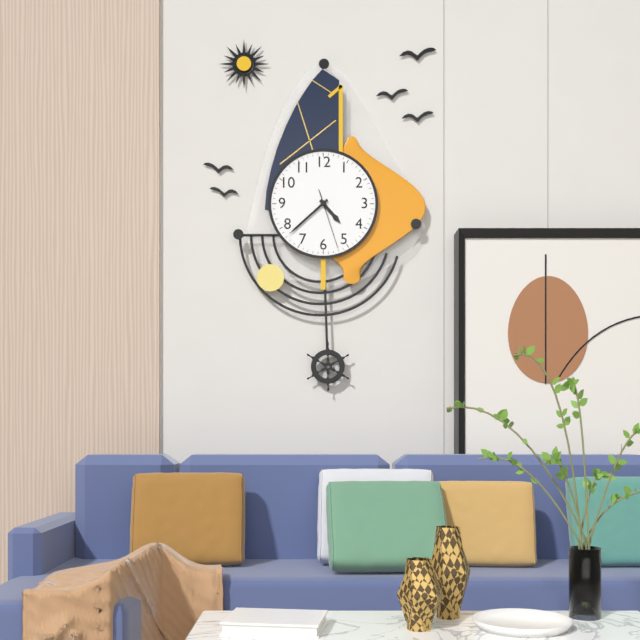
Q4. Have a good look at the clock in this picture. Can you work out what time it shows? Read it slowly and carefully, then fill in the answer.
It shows 4:38:27
